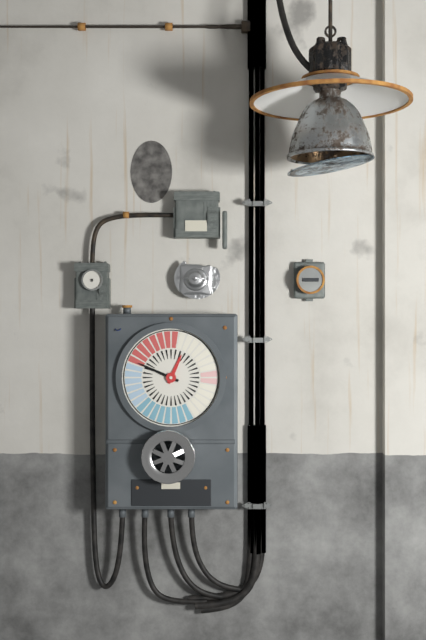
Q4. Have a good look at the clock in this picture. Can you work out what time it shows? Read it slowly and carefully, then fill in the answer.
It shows 12:49
